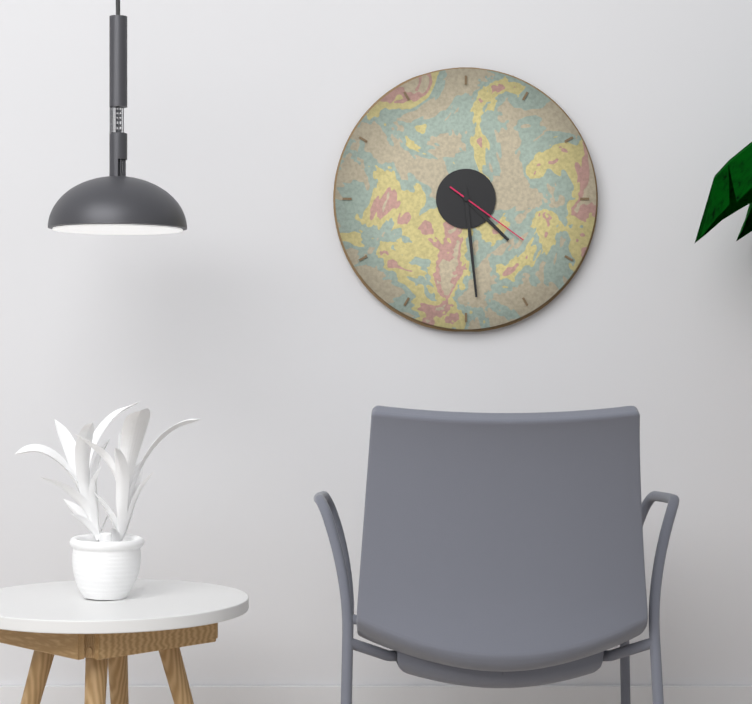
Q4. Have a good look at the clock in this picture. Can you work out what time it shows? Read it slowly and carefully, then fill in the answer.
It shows 4:29:21
